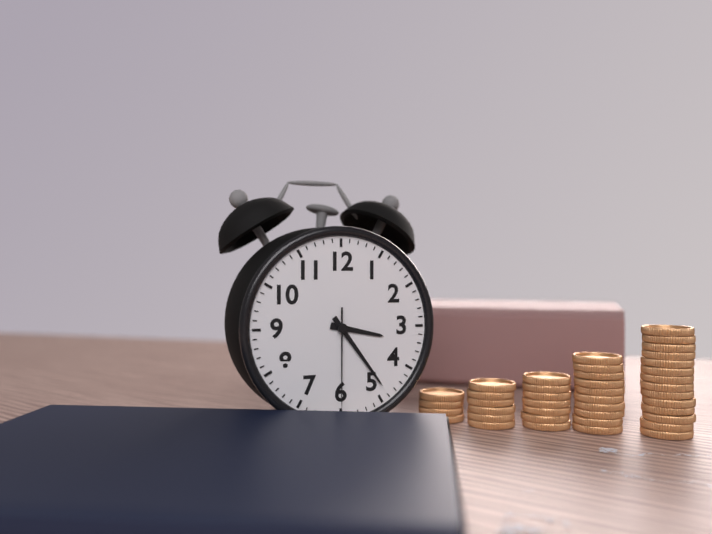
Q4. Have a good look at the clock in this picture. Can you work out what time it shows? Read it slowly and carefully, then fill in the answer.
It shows 3:24:30
